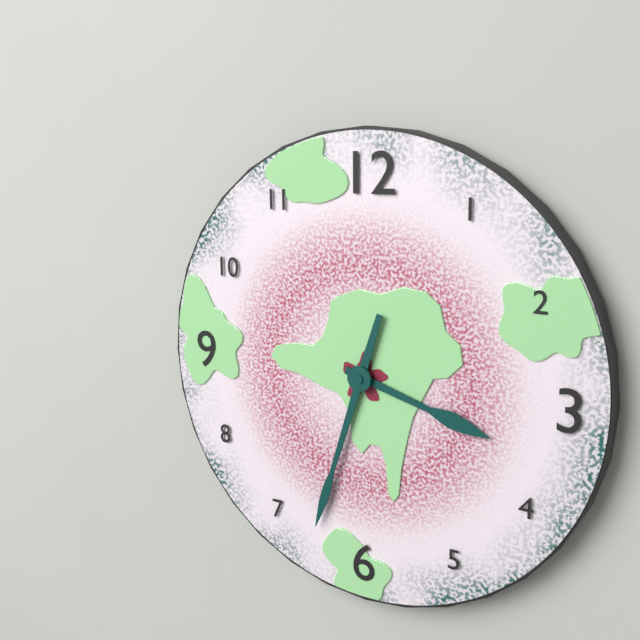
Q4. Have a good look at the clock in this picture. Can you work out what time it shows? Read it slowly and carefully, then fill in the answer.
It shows 3:33
